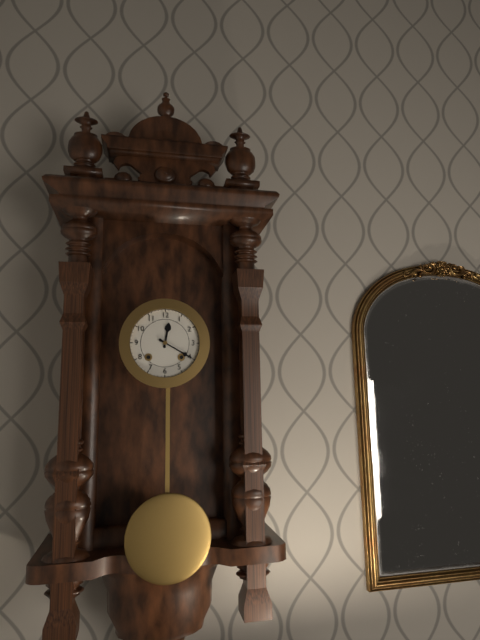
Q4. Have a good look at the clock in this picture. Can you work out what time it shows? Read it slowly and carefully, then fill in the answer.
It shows 12:20
